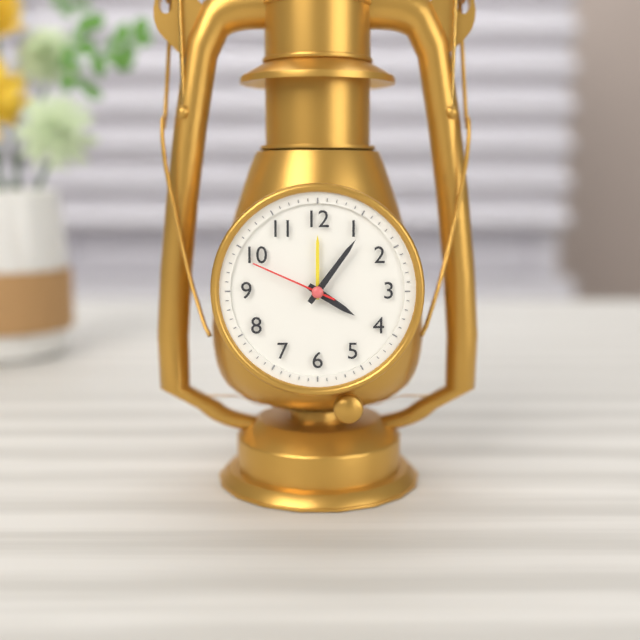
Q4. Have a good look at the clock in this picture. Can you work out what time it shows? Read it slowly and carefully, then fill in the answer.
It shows 4:06:49
